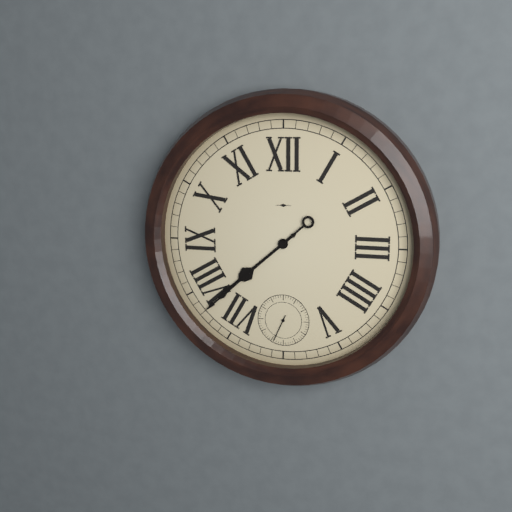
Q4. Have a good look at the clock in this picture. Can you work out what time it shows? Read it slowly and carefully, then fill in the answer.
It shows 7:38
